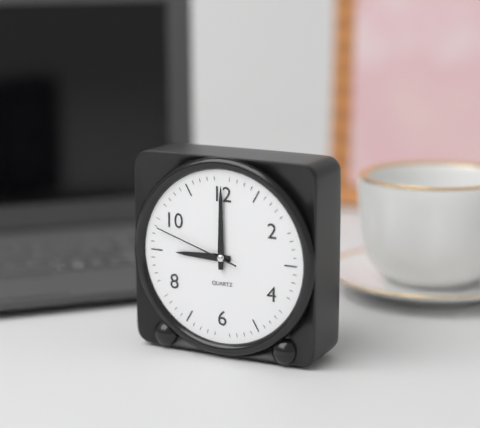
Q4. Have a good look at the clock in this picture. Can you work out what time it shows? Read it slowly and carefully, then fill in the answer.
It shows 9:00:48
